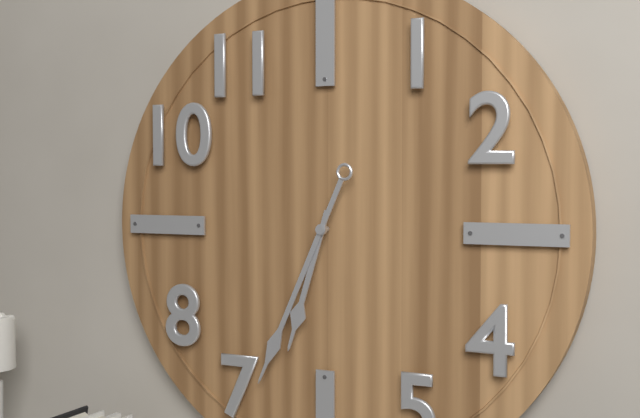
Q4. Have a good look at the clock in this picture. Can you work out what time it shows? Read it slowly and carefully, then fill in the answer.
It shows 6:34
